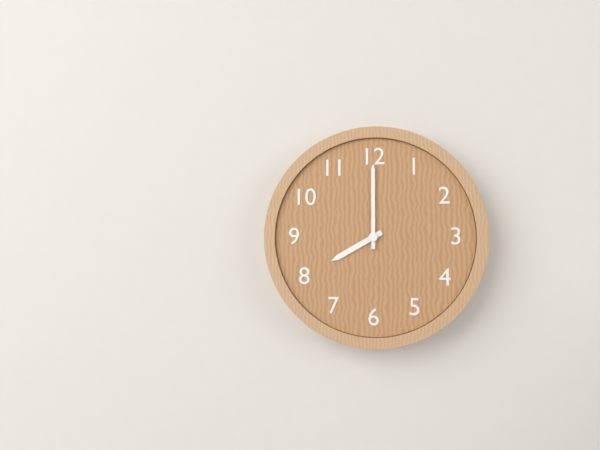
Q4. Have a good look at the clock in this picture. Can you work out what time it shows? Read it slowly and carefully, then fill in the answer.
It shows 8:00
